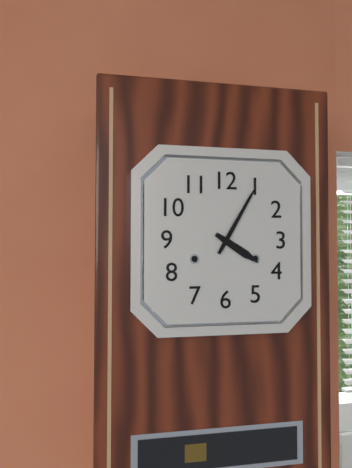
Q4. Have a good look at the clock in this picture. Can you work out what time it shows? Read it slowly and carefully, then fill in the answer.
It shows 4:05
